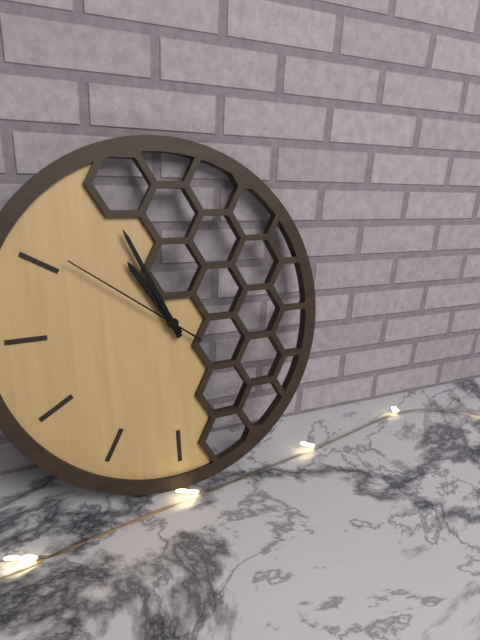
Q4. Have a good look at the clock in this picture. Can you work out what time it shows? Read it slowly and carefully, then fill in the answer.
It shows 10:56:51
